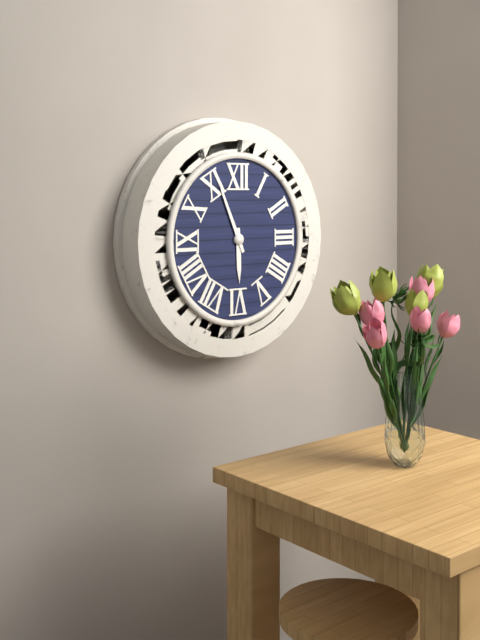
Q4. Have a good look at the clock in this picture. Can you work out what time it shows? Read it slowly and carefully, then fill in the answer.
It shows 5:56
